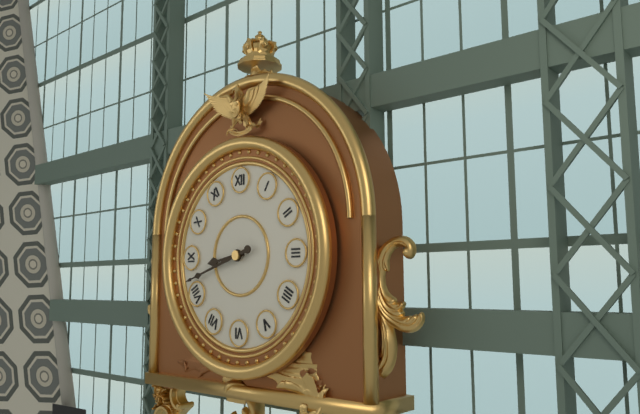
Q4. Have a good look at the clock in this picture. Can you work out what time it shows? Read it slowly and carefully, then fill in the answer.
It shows 8:42
